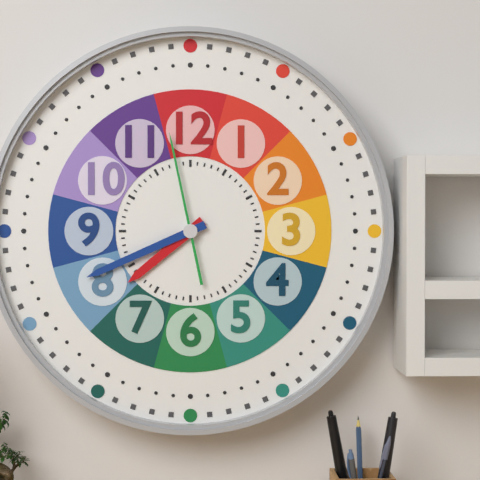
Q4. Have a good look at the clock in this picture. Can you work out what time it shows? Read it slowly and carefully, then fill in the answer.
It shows 7:41:58
